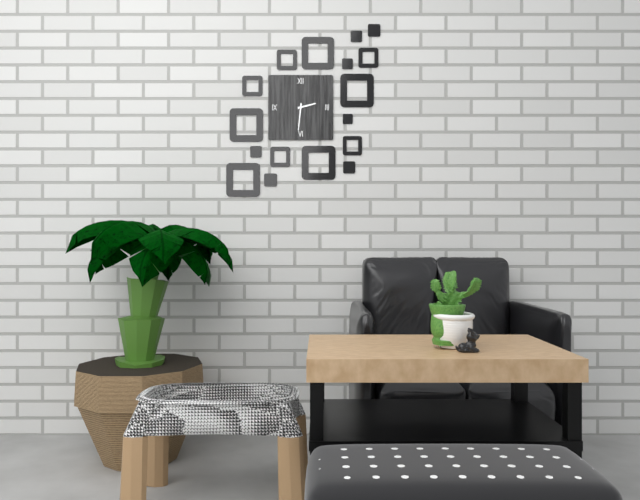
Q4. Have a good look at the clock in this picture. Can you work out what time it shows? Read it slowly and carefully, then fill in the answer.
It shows 2:31
